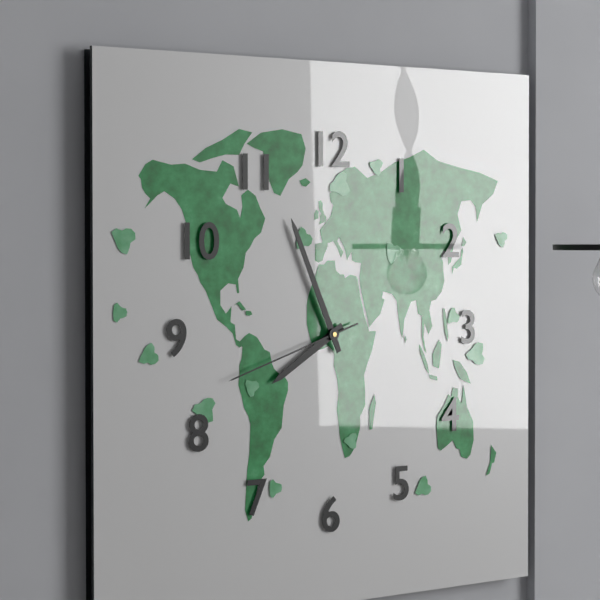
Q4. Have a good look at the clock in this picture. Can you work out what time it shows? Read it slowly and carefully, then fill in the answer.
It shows 7:56:42
